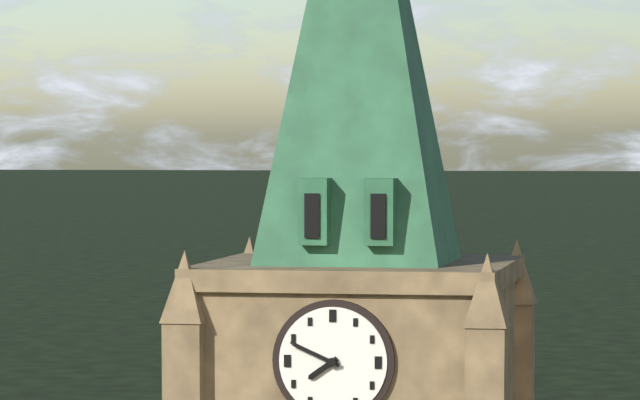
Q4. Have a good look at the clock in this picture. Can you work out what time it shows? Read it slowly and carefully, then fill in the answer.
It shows 7:49
